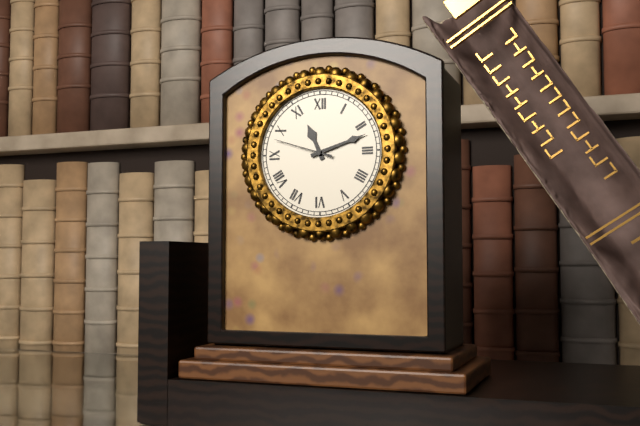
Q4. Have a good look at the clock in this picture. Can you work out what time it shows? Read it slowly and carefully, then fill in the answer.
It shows 11:12:48
